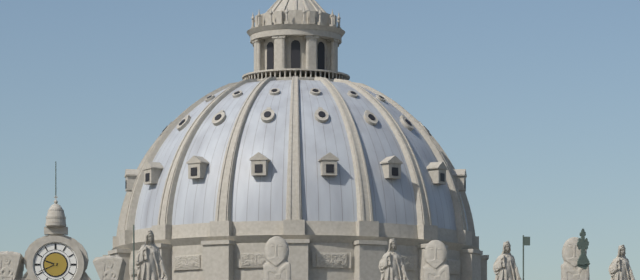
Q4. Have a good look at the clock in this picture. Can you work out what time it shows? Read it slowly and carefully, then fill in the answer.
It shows 9:41
